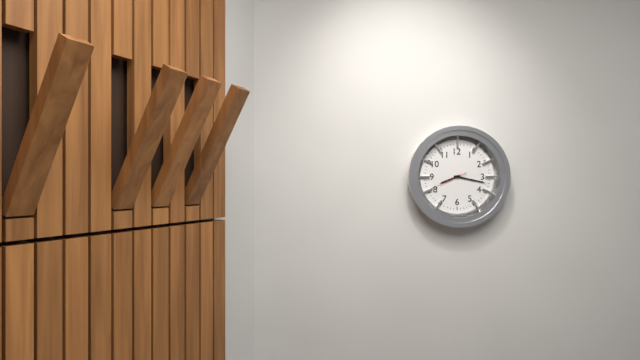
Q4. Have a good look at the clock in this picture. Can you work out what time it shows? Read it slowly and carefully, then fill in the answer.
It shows 8:17
